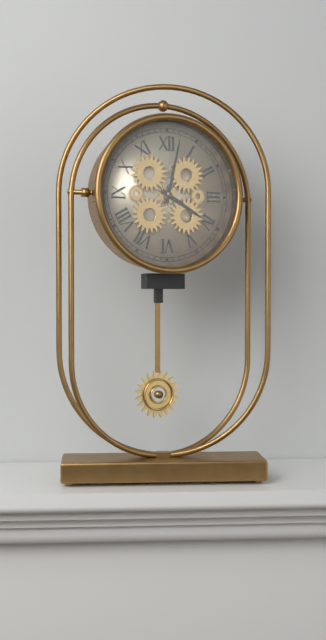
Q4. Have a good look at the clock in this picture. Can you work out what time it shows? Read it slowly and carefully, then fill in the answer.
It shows 4:02
